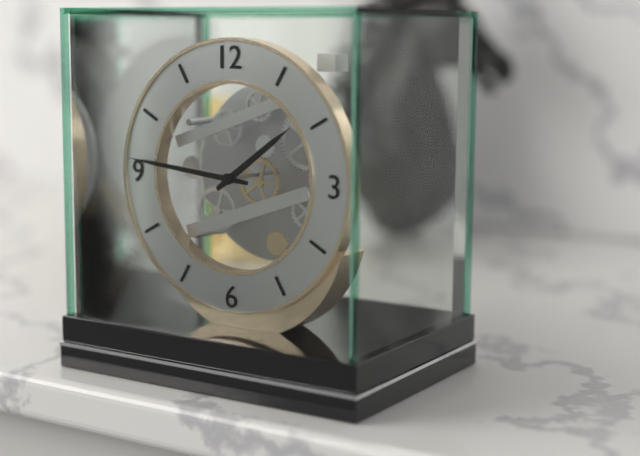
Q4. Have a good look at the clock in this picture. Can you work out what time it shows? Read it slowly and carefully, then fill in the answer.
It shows 1:46
